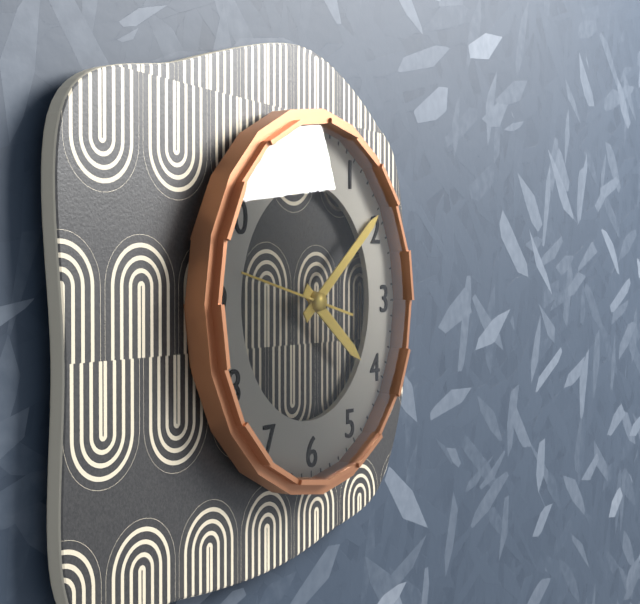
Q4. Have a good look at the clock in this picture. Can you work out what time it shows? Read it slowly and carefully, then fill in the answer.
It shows 4:09:47
